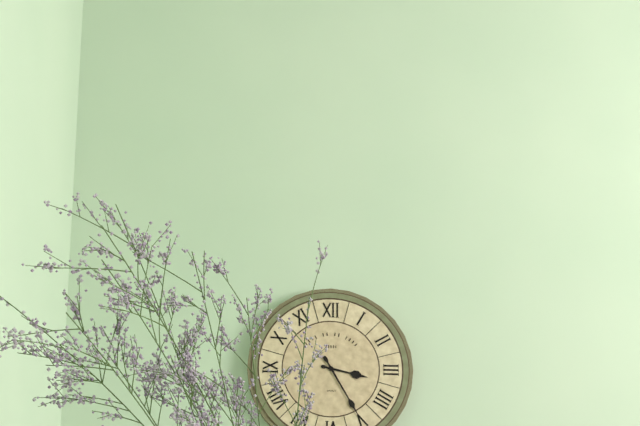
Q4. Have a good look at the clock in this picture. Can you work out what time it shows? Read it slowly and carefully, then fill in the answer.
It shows 3:25
